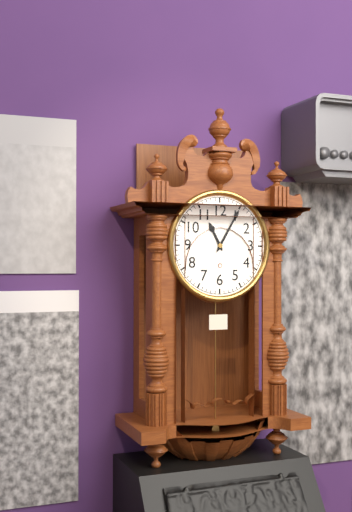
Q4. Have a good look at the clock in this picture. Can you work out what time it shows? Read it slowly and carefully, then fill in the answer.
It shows 11:05
